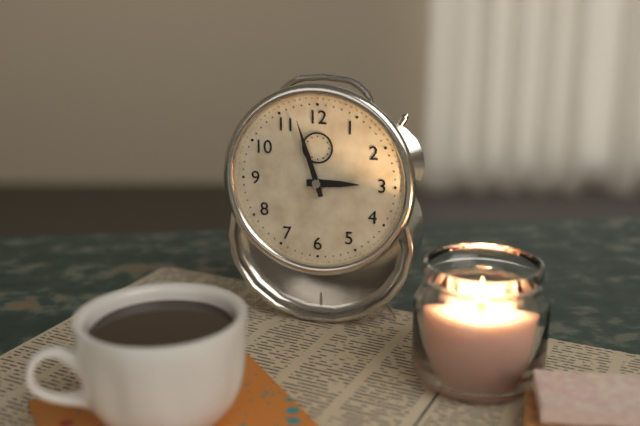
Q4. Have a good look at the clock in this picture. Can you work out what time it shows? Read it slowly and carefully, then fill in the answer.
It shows 2:57
